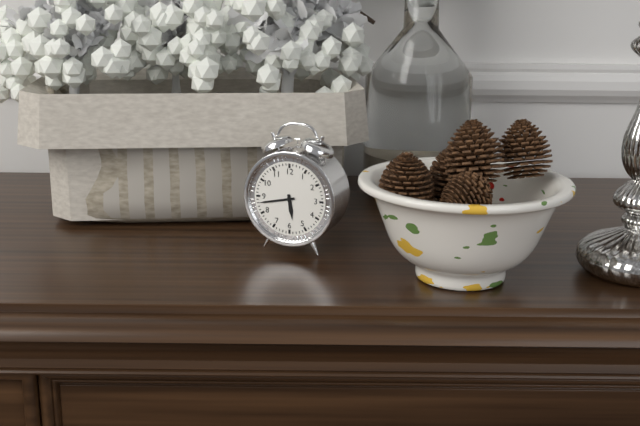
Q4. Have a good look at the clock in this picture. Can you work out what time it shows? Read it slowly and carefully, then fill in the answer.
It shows 5:43
